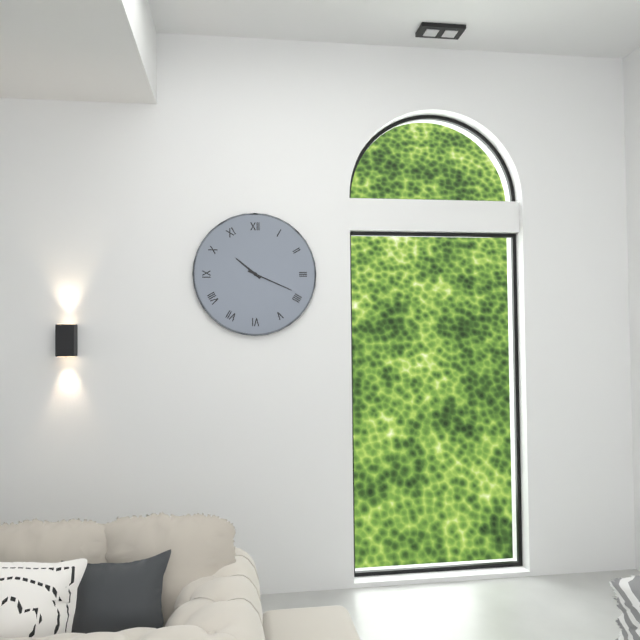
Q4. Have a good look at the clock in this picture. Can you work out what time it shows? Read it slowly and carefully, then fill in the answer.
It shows 10:19
